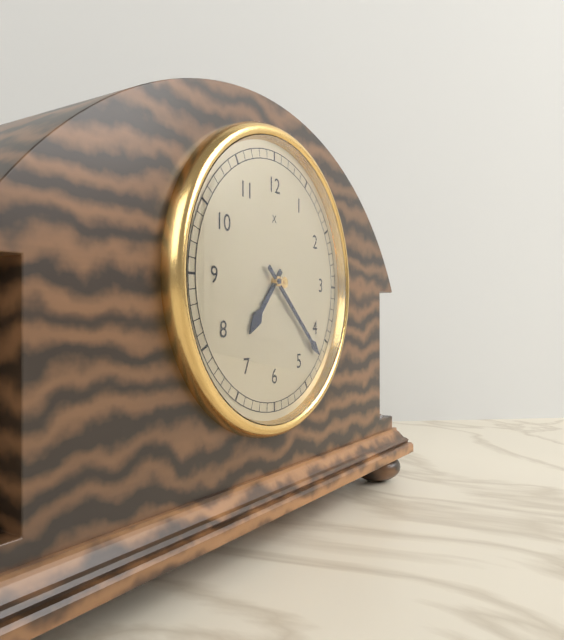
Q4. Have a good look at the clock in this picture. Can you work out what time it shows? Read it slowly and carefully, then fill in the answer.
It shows 7:22
